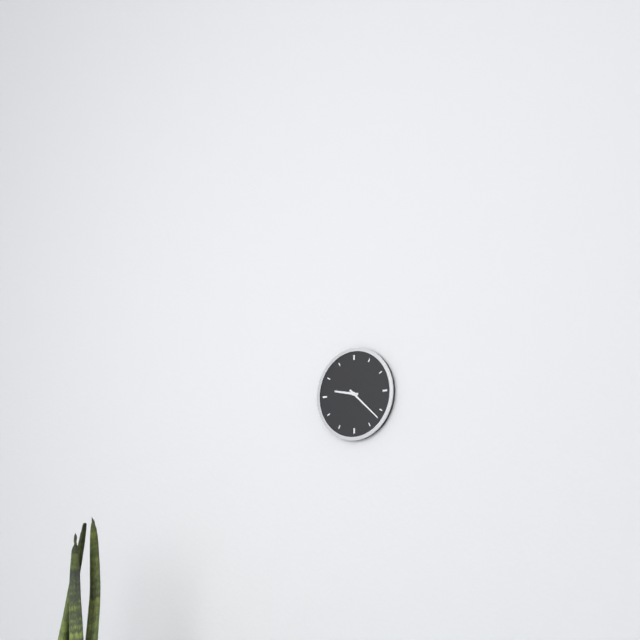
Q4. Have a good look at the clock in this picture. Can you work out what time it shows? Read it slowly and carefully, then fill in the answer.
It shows 9:22
